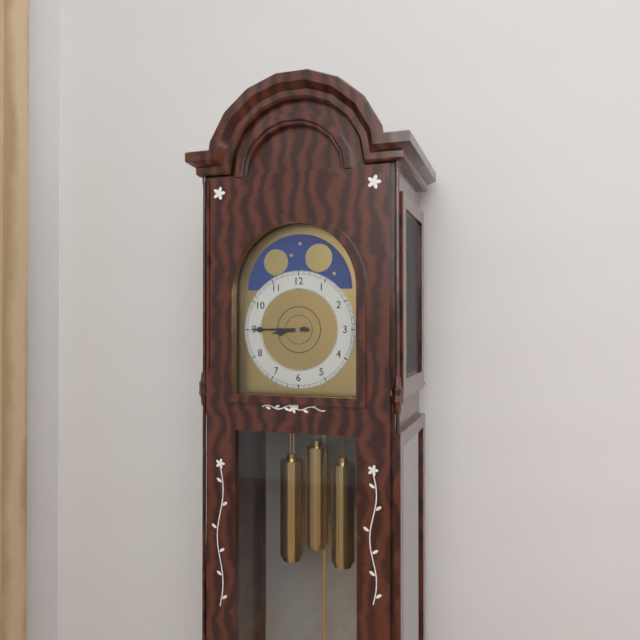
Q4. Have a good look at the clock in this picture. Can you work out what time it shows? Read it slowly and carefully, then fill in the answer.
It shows 8:45
